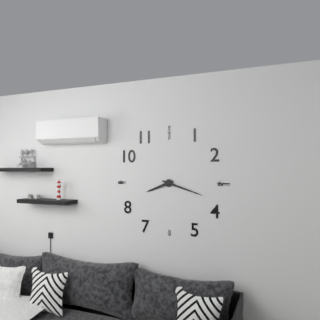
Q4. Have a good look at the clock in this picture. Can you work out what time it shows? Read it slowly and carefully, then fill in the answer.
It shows 8:18
